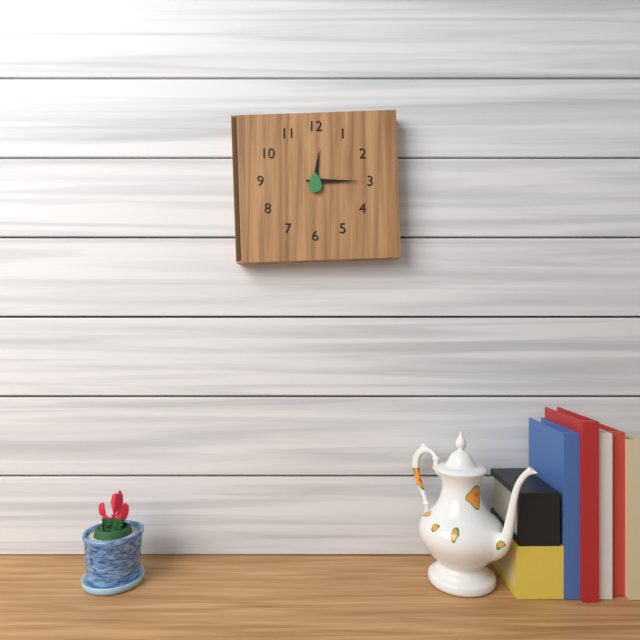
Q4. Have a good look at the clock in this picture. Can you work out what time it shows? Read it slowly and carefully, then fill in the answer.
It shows 12:15
